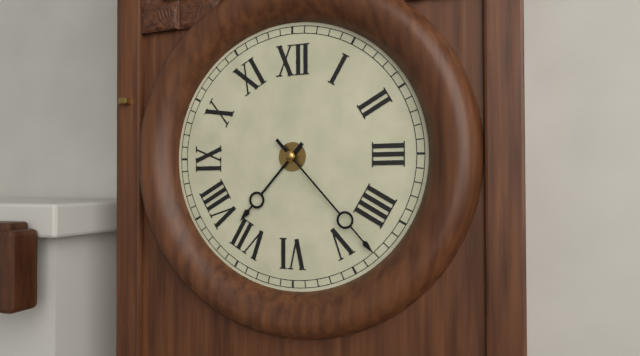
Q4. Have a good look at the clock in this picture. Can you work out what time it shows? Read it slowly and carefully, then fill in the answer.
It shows 7:23
